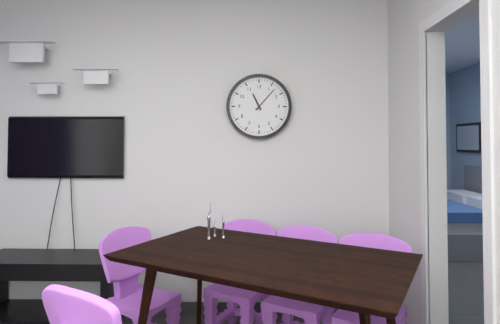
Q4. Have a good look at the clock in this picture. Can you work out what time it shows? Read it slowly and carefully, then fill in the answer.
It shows 11:07
